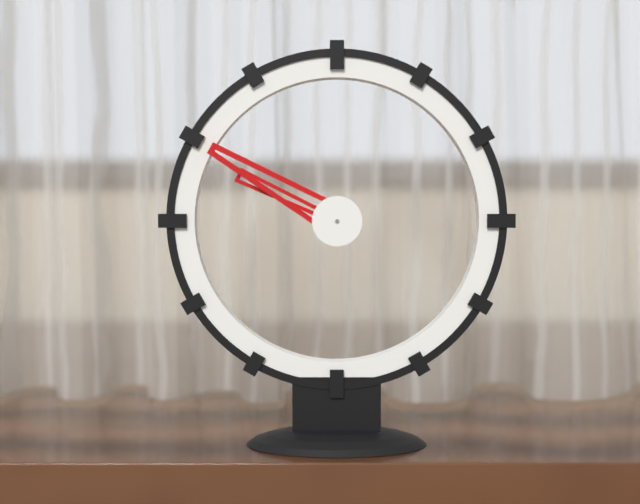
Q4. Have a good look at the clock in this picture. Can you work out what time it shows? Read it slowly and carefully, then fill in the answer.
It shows 9:50
